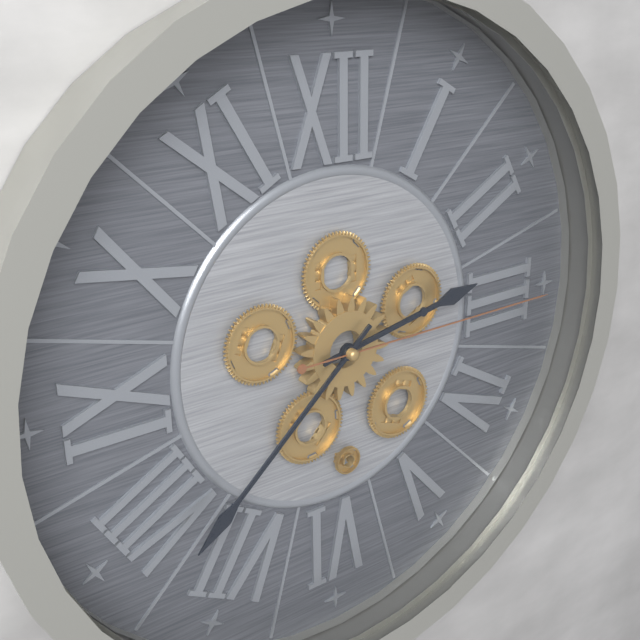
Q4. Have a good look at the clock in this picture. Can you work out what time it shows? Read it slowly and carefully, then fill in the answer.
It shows 2:38:15
